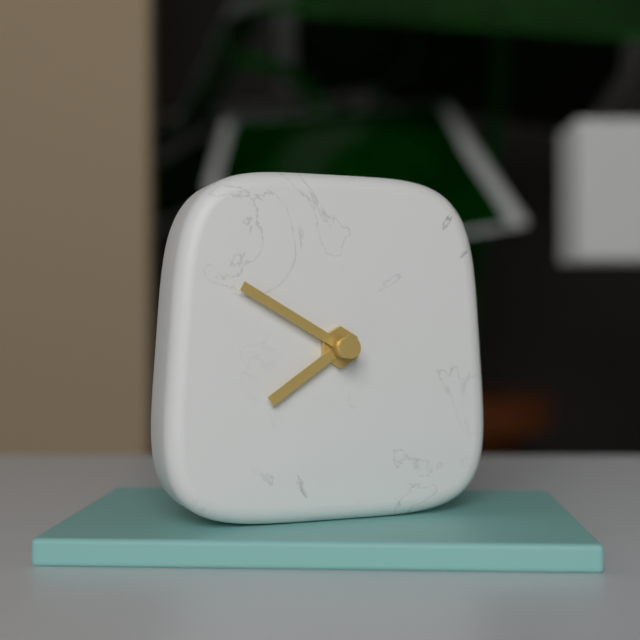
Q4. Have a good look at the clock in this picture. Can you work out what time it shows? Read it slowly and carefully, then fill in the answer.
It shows 7:50
